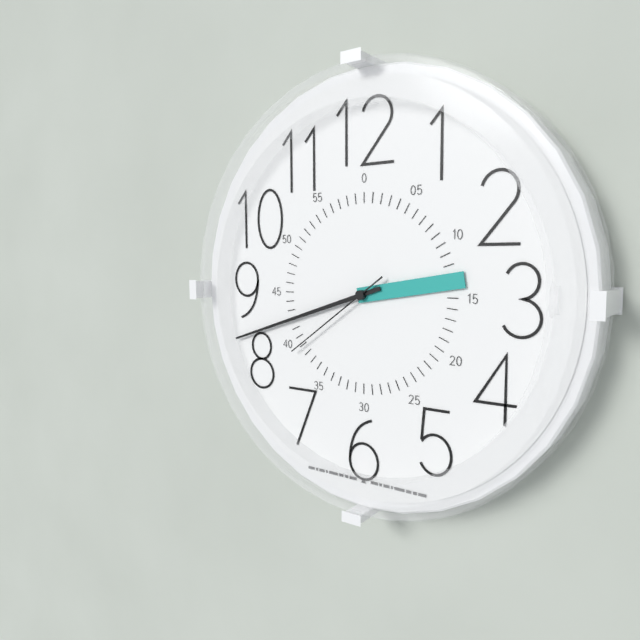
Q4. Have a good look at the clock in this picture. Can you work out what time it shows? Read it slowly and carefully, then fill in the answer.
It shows 2:42:39
